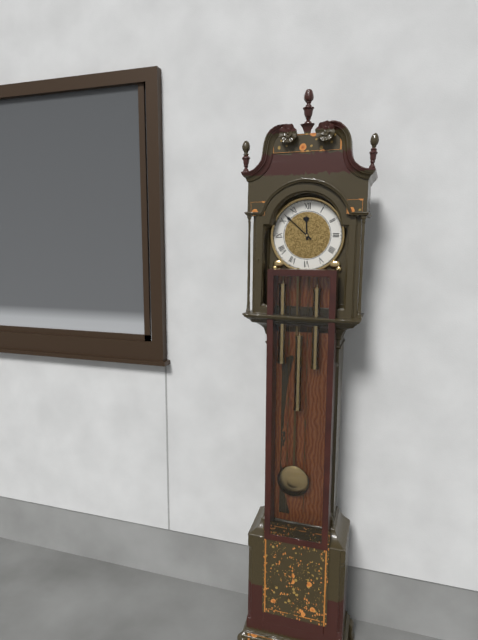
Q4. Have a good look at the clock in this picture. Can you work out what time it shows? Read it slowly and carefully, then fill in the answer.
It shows 11:52
